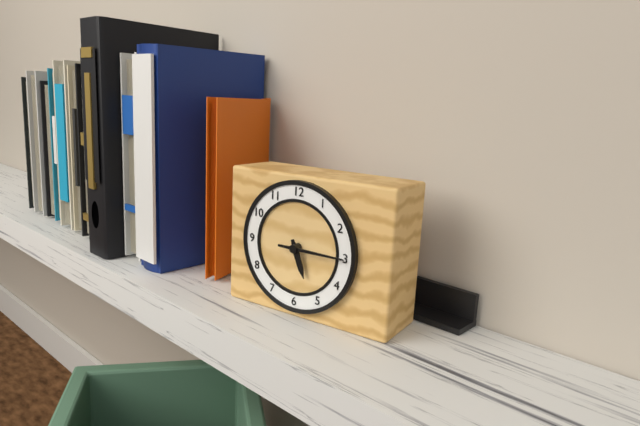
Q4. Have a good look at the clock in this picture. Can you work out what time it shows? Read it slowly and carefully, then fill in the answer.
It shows 5:15
